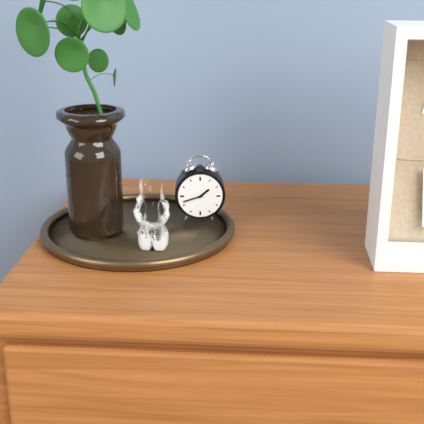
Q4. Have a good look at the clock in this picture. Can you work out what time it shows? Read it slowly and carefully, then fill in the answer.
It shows 1:42
